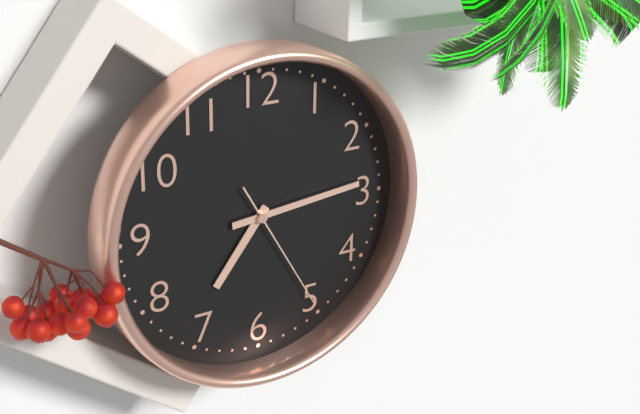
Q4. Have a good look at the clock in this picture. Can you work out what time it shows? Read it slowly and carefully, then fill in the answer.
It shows 7:14:25
